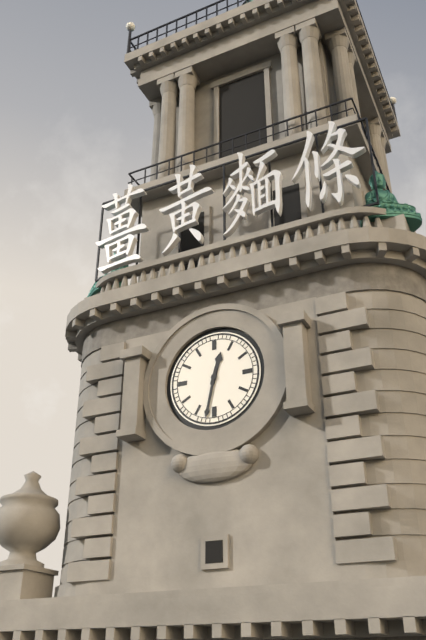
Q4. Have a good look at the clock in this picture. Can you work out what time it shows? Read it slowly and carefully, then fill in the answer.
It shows 12:32
